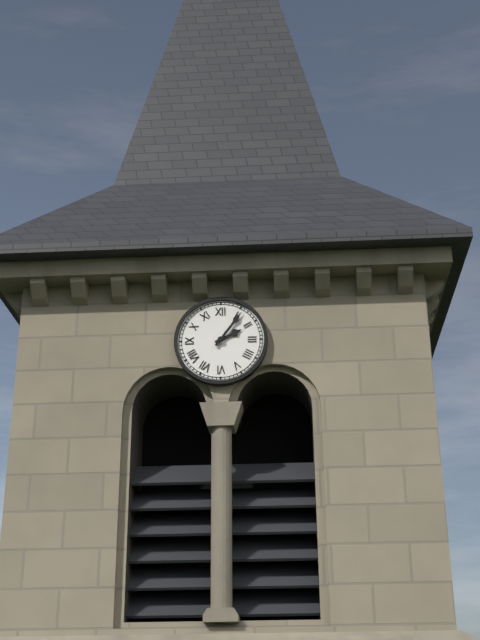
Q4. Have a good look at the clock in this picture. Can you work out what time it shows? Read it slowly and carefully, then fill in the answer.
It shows 2:06
